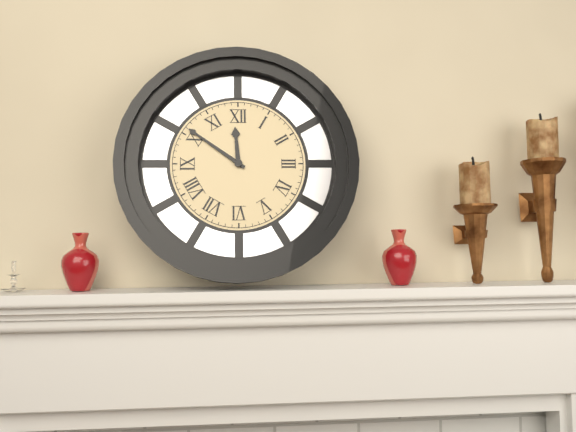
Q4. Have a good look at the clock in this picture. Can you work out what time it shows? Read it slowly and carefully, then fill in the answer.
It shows 11:51
